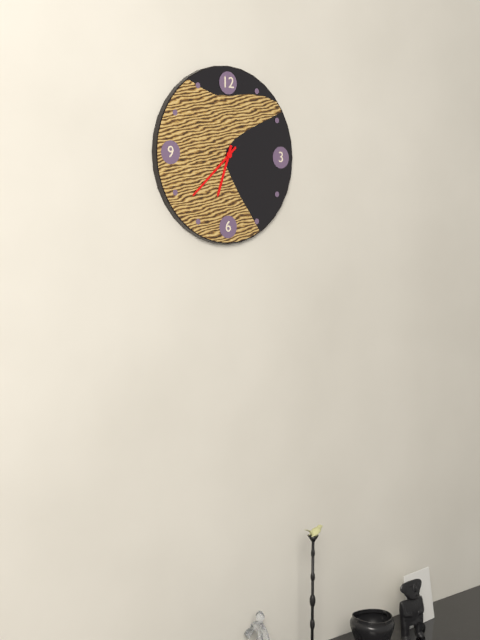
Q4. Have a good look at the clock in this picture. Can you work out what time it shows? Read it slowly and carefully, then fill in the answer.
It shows 6:38
